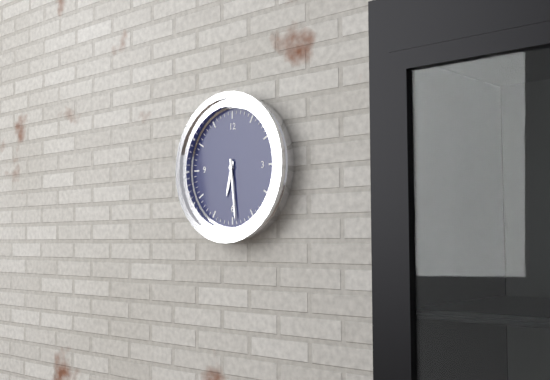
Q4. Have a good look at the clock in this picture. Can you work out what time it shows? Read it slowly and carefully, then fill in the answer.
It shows 6:29
